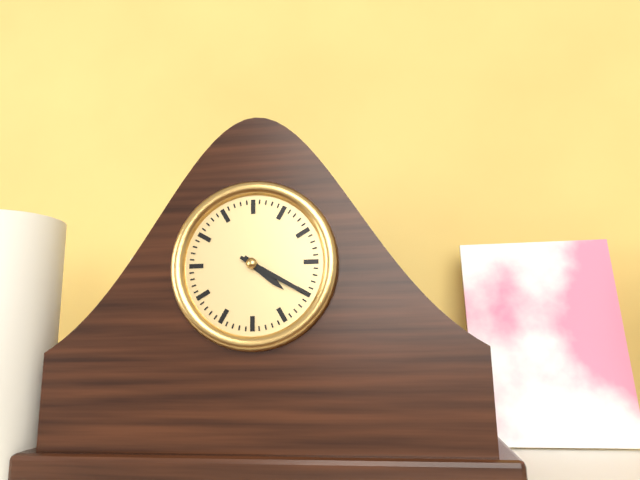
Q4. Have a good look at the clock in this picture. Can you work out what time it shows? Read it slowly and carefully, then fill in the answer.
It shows 4:20
